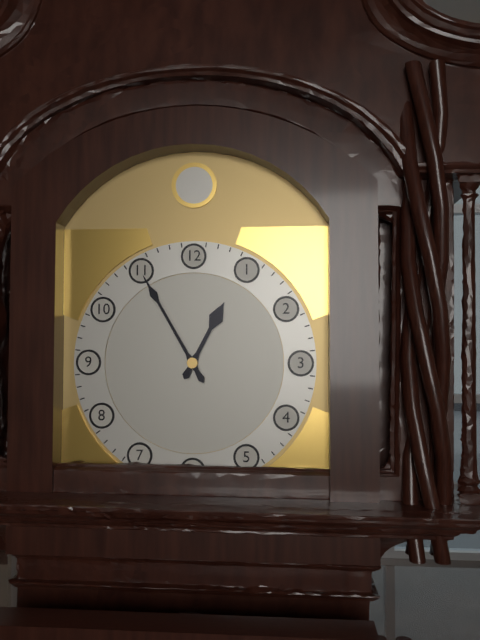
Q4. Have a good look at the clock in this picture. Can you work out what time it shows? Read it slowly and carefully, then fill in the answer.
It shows 12:55
